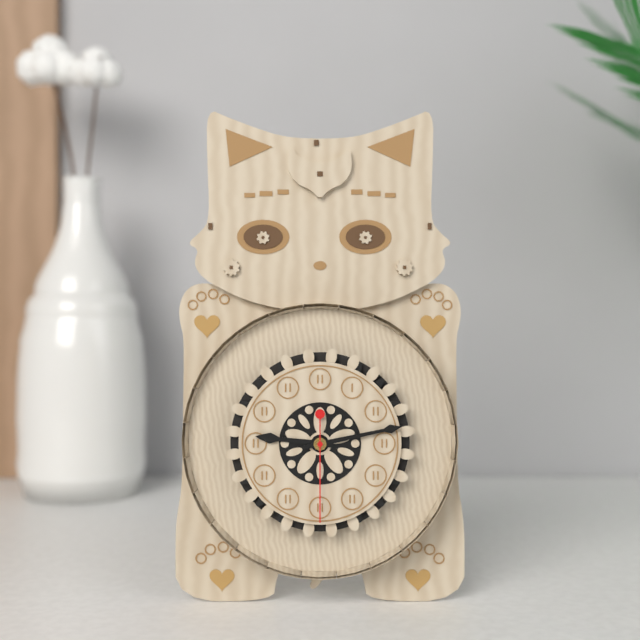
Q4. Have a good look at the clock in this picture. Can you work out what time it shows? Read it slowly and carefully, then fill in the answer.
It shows 9:13:30
